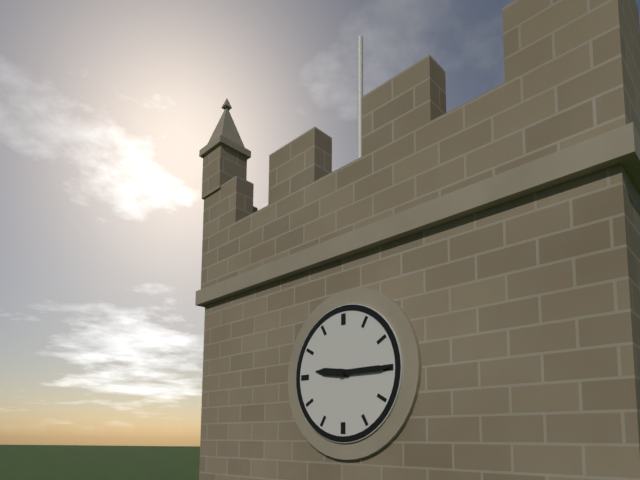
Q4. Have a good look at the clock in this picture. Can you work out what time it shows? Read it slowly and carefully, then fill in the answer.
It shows 9:15
